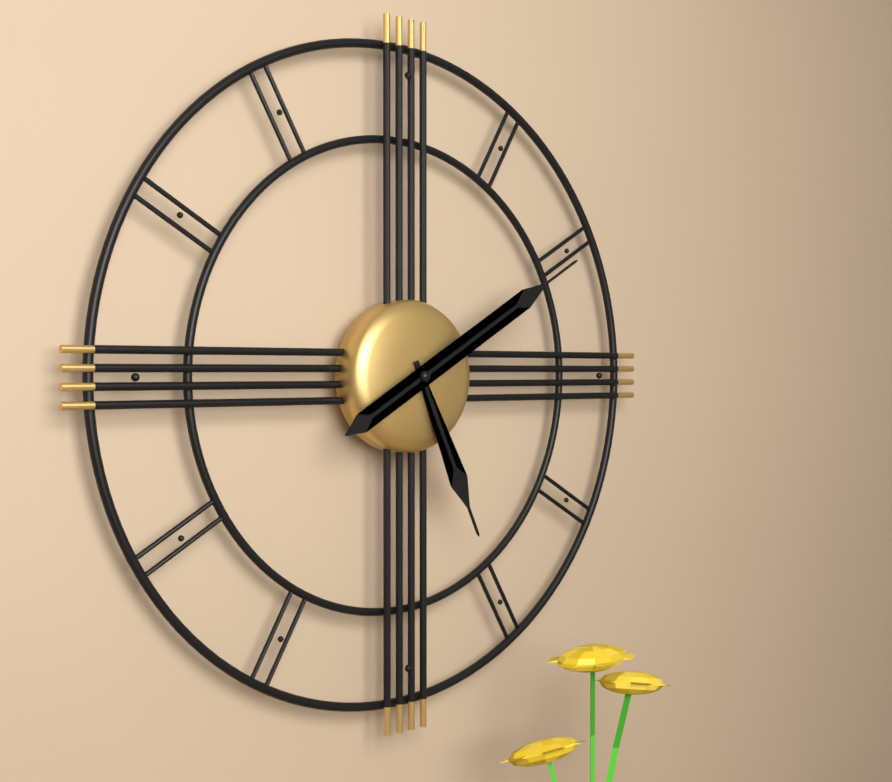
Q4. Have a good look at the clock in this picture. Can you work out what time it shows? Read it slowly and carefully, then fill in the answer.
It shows 5:10
